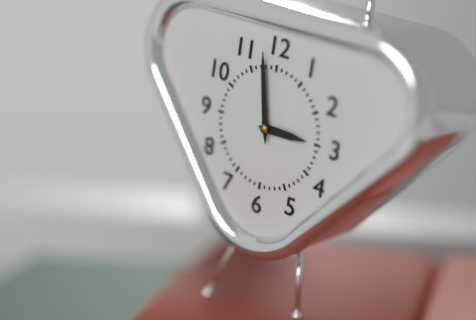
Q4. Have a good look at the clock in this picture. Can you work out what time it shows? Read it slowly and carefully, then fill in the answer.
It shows 2:58
